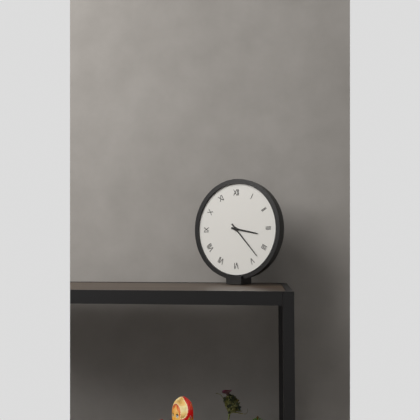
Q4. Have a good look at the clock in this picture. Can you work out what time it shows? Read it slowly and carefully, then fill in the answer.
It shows 3:23
